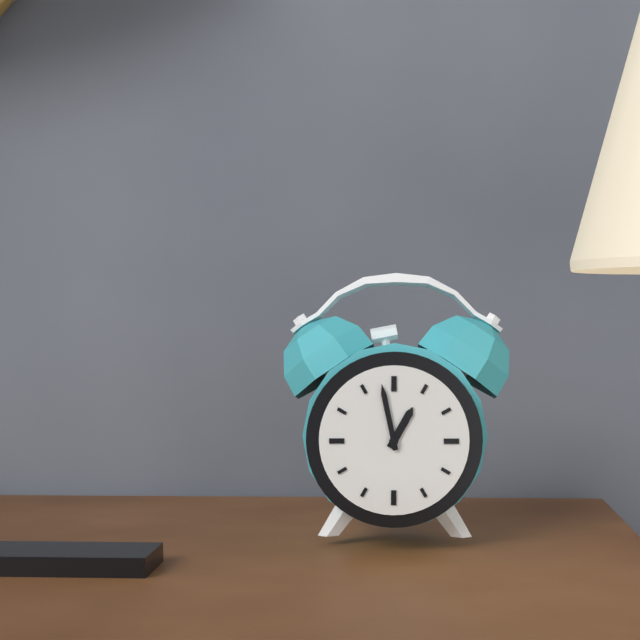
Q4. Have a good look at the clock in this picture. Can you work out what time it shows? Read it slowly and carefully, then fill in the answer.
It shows 12:58
